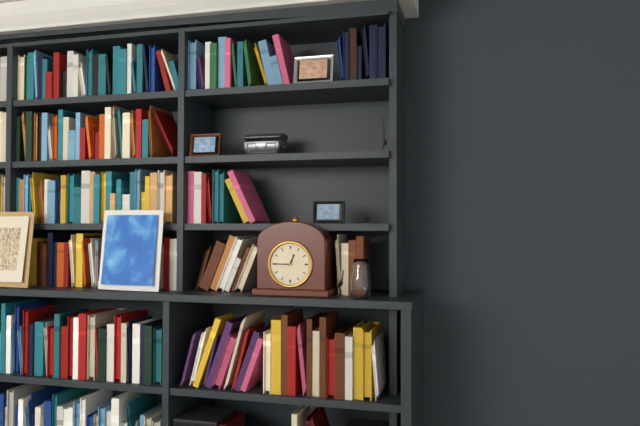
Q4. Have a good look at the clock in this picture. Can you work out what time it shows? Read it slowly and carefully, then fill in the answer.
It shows 12:45
